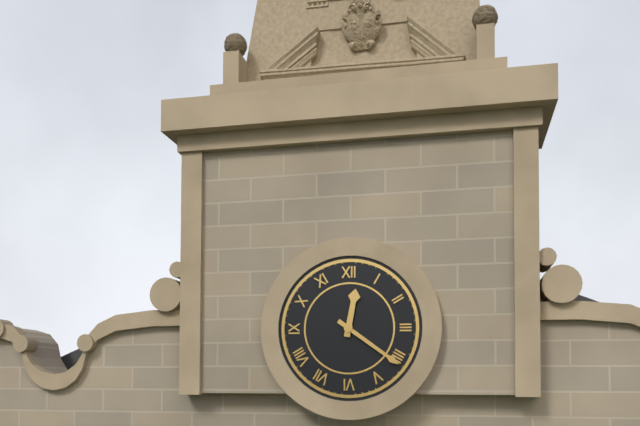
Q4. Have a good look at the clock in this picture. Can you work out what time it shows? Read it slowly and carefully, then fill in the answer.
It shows 12:21
